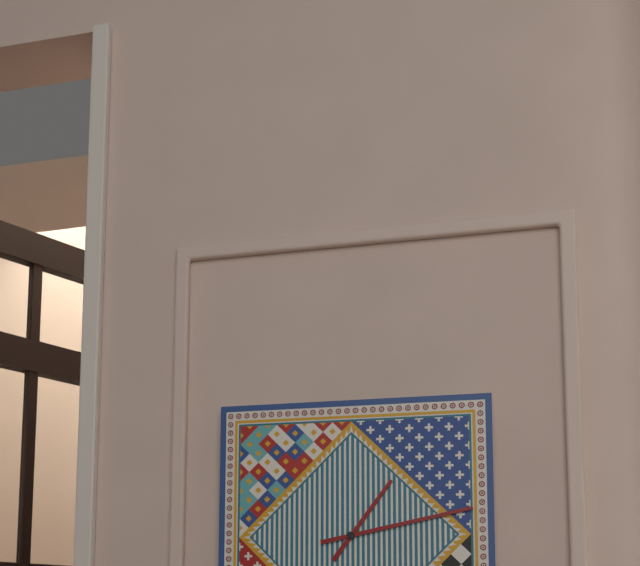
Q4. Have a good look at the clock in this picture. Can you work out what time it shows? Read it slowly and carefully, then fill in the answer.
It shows 1:13
